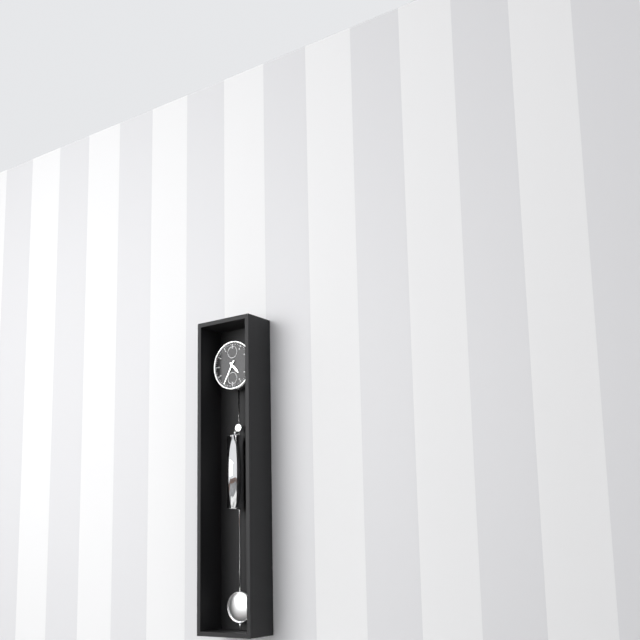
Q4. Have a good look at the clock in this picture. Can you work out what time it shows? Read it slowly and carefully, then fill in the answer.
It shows 4:35
